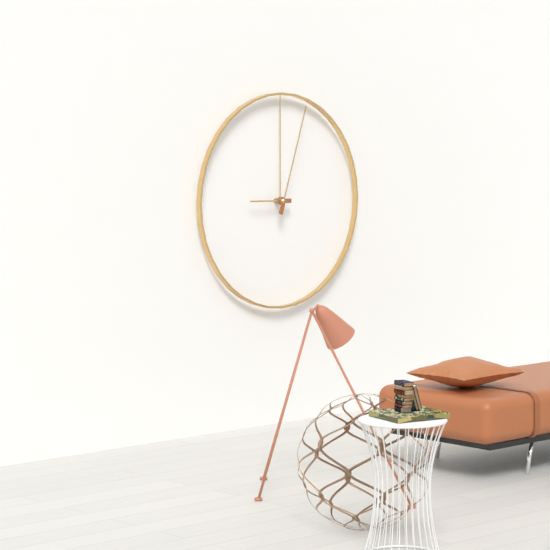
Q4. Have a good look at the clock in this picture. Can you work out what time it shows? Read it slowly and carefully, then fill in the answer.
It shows 9:03
